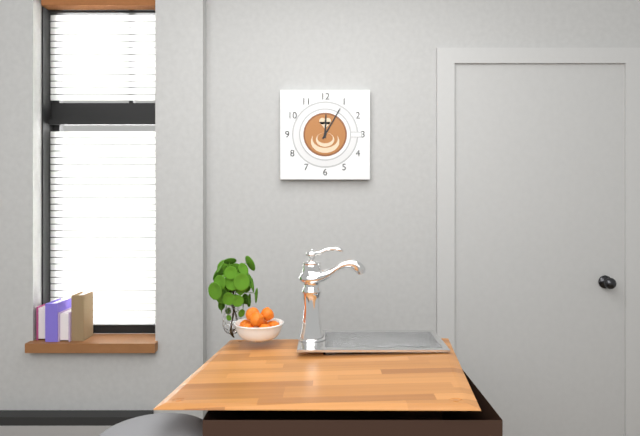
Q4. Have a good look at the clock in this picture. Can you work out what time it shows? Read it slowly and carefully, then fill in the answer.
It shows 12:05
